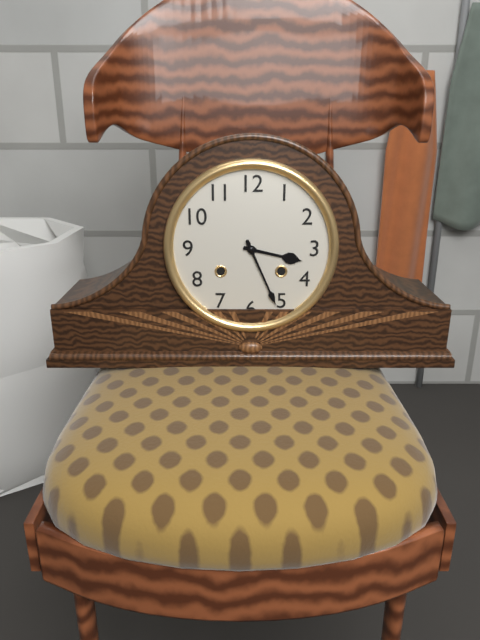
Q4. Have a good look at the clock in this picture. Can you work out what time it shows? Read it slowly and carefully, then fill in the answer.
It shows 3:26
